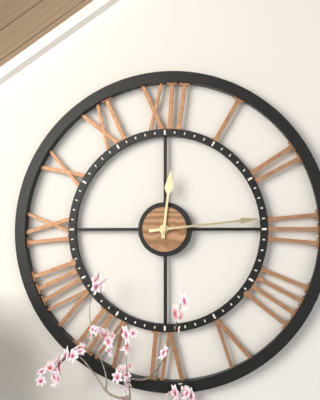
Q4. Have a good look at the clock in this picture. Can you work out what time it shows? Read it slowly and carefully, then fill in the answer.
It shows 12:14
